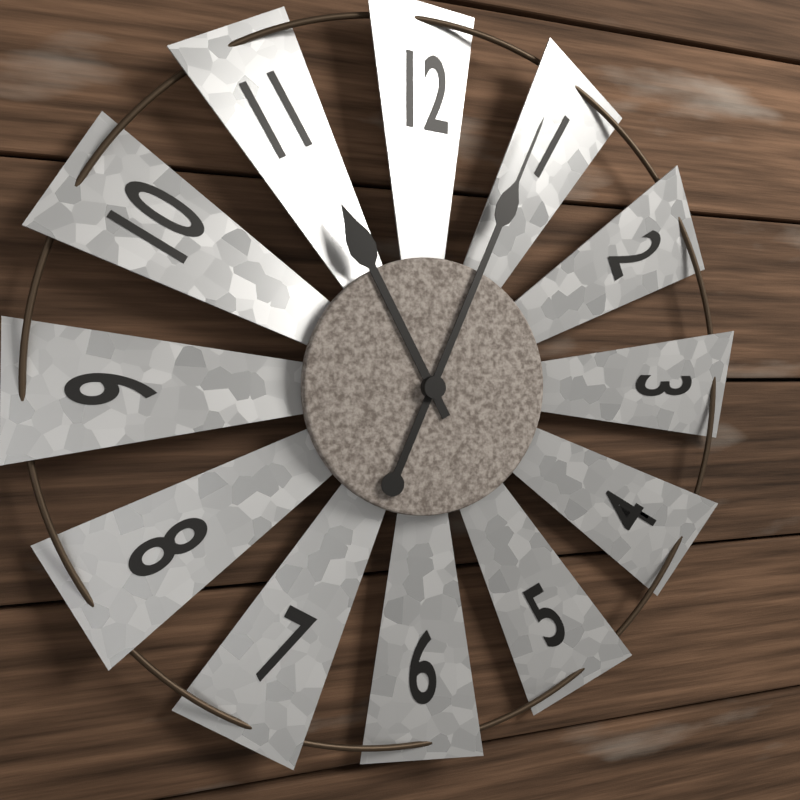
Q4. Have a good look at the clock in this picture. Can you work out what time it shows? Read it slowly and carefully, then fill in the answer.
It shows 11:04
